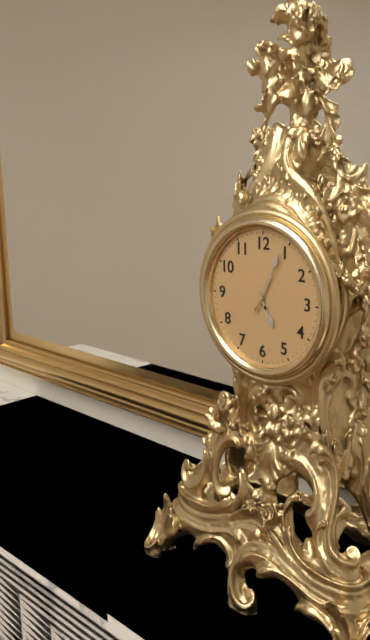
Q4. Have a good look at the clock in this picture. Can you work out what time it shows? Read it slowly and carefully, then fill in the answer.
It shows 5:04:05
